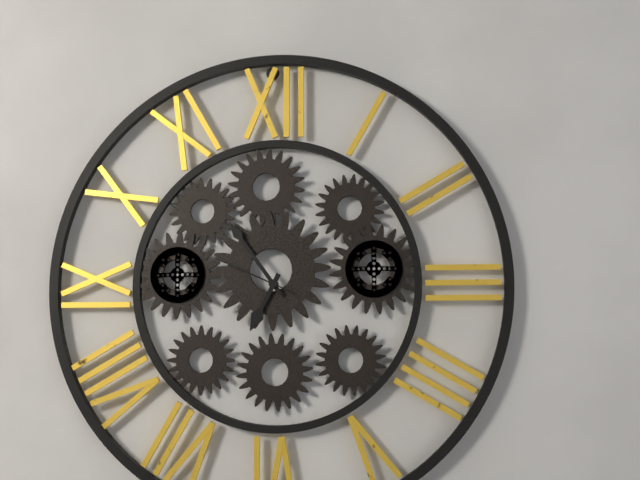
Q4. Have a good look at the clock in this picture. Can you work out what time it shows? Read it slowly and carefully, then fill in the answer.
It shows 6:54:49
